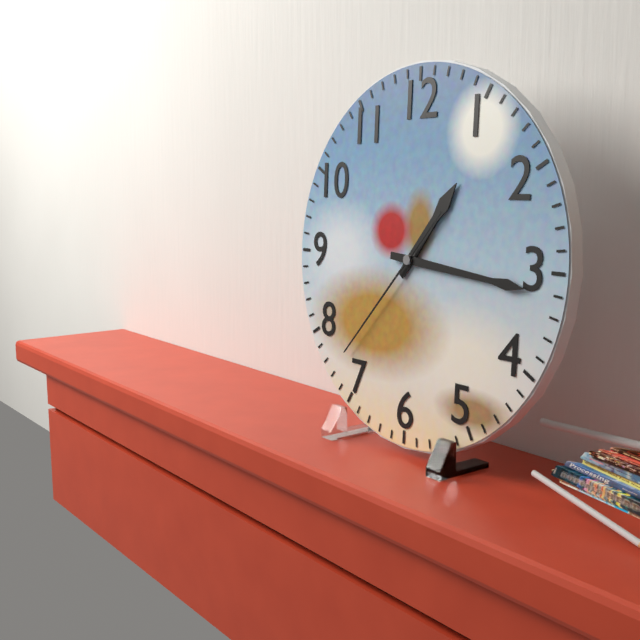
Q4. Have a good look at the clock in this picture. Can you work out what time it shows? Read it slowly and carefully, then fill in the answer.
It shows 1:16:37
